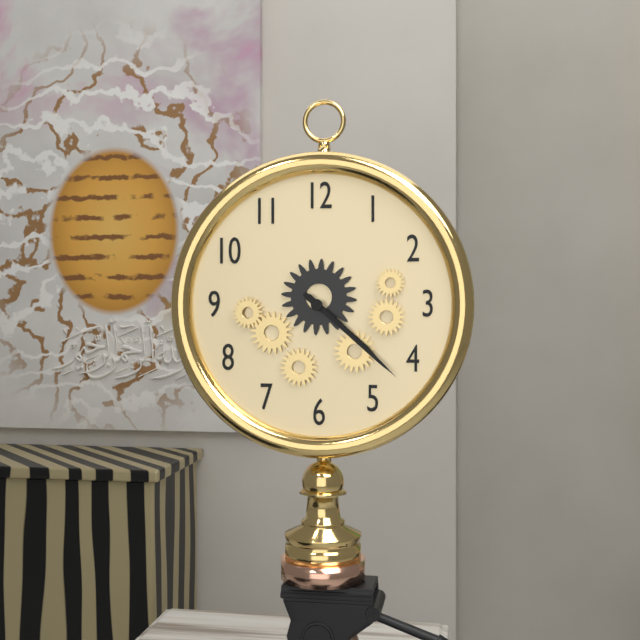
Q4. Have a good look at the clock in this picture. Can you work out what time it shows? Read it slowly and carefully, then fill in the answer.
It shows 4:22
